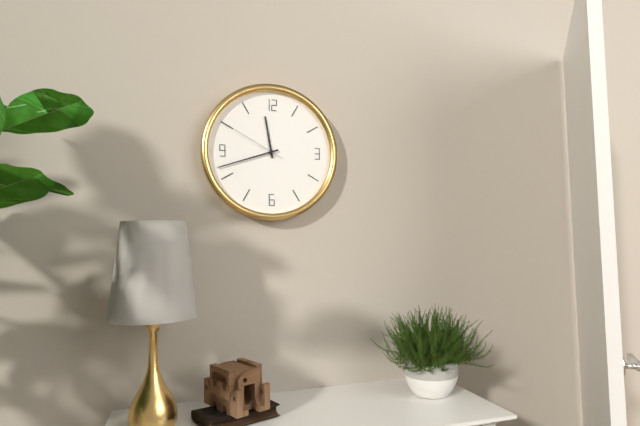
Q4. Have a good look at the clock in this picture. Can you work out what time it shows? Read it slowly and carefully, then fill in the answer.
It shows 11:42:50
